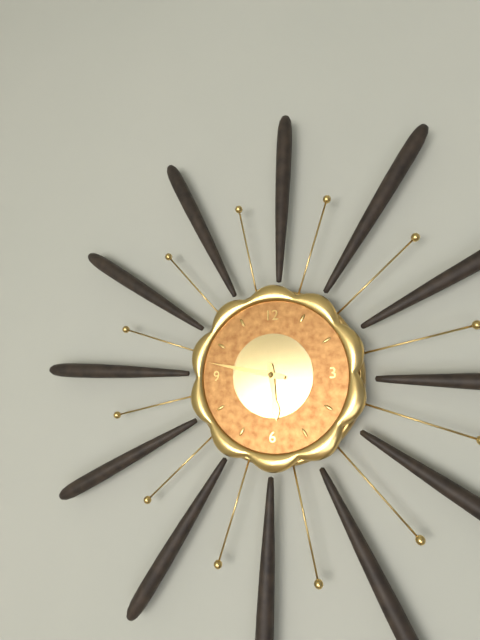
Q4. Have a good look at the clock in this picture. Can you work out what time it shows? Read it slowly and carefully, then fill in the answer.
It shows 5:47
